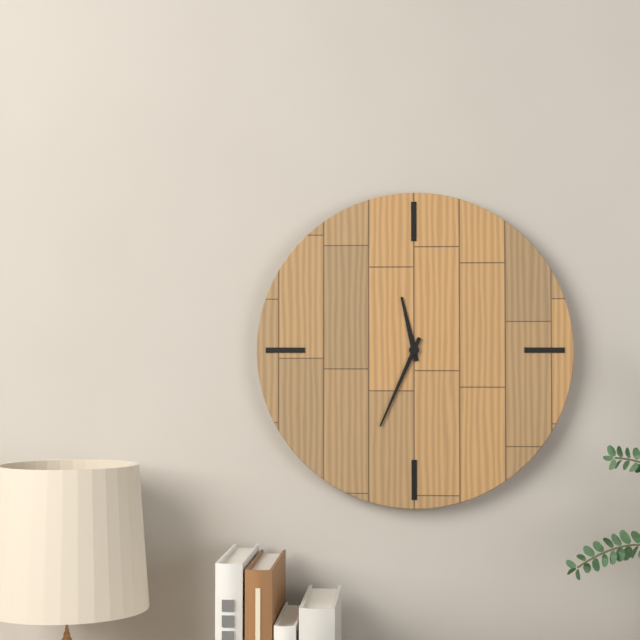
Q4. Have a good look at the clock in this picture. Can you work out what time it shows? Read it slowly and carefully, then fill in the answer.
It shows 11:34
